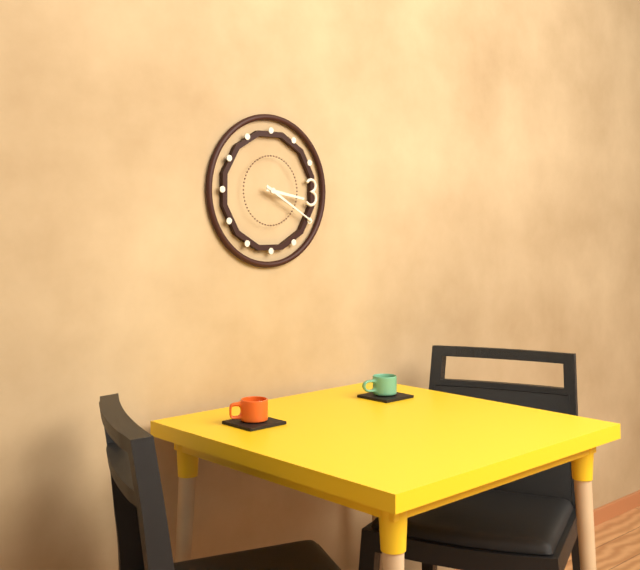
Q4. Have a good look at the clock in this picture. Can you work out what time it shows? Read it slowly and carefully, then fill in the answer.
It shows 3:20
